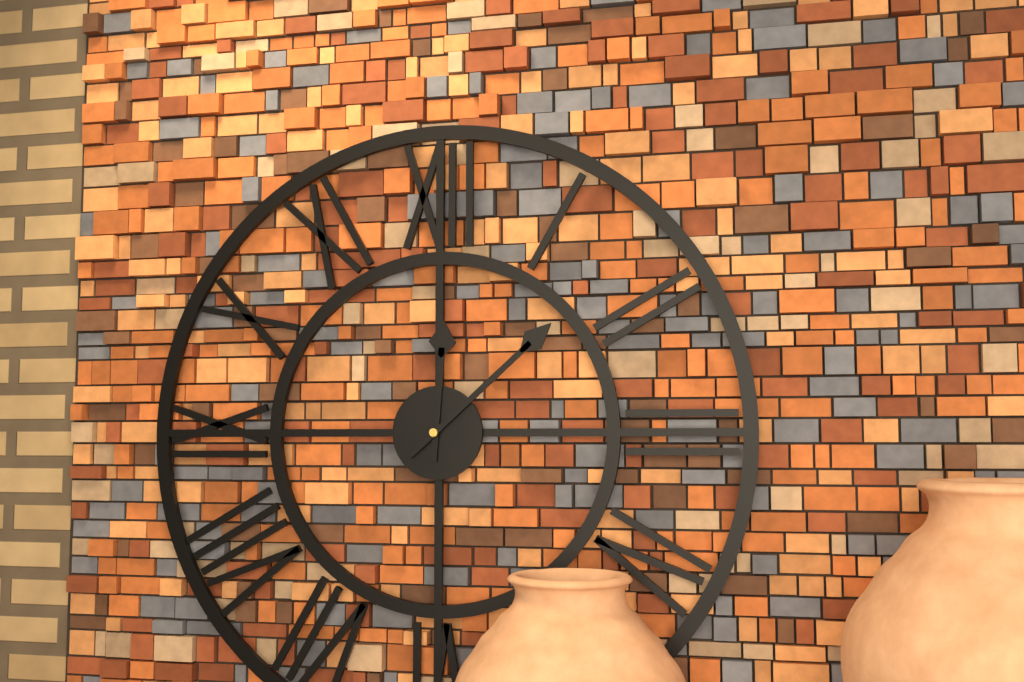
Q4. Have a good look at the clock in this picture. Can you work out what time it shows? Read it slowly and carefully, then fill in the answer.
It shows 12:08
